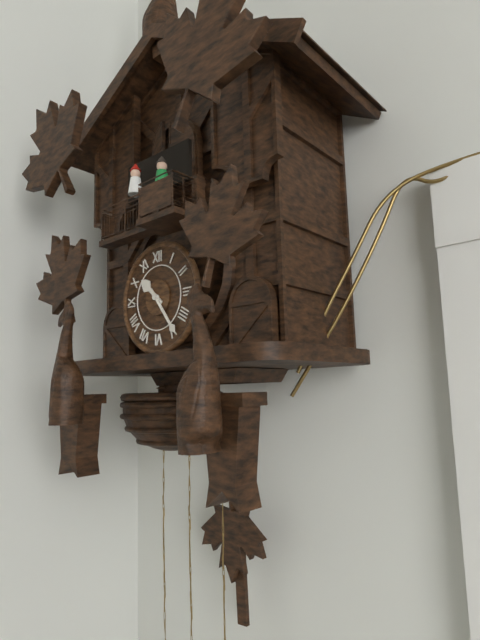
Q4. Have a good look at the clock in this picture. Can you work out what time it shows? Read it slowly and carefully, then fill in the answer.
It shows 10:24
